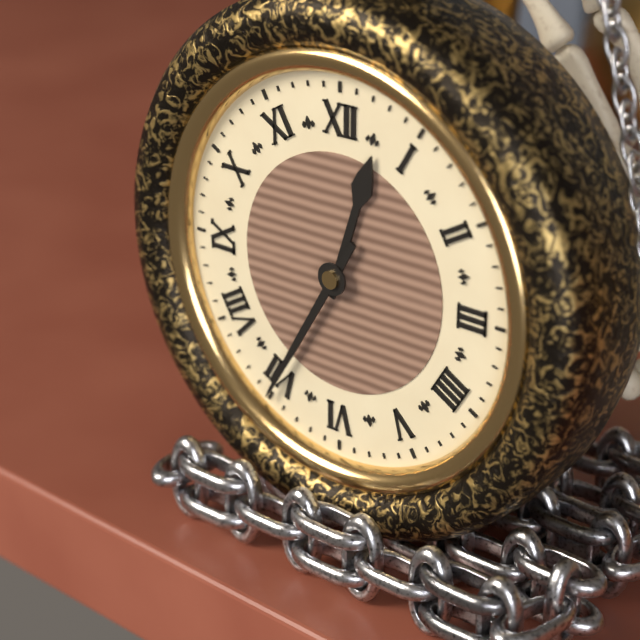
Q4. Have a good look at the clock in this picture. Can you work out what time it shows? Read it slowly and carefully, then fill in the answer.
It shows 12:35
